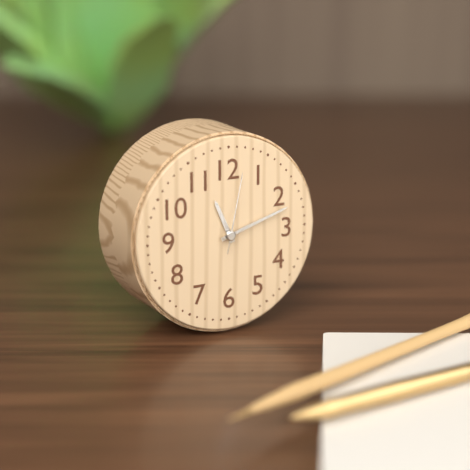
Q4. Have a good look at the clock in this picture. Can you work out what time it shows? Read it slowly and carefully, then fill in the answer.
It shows 11:12:02
